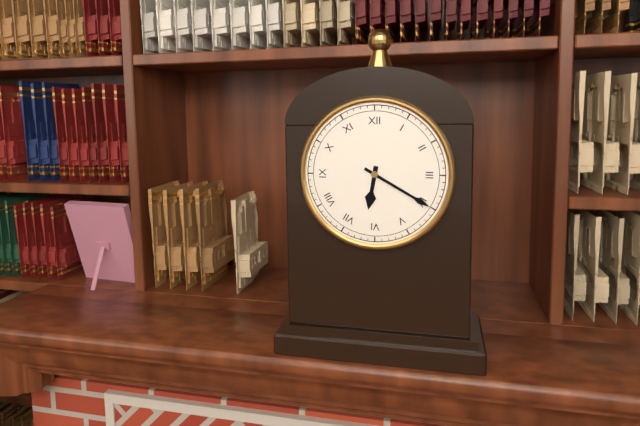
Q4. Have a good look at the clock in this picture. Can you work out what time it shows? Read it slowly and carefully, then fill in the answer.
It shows 6:20
